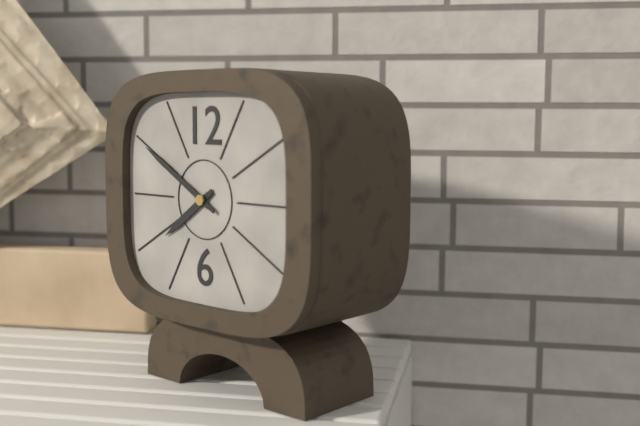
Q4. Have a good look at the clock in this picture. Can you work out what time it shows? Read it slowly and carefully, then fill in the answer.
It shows 7:50
